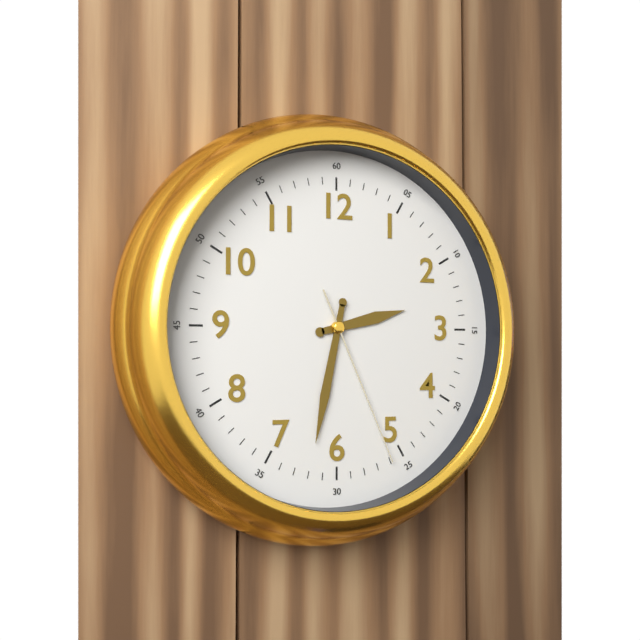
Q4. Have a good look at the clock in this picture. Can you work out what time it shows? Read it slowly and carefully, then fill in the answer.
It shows 2:32:26
